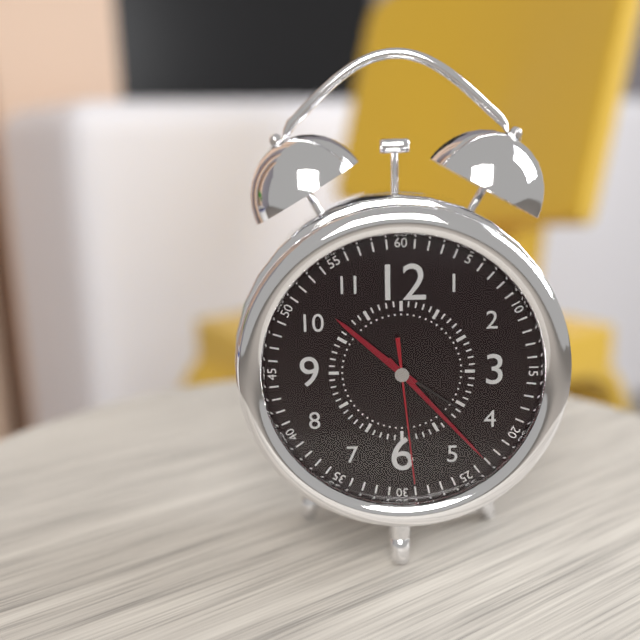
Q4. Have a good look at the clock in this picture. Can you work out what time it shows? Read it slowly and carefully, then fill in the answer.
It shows 10:23:29
